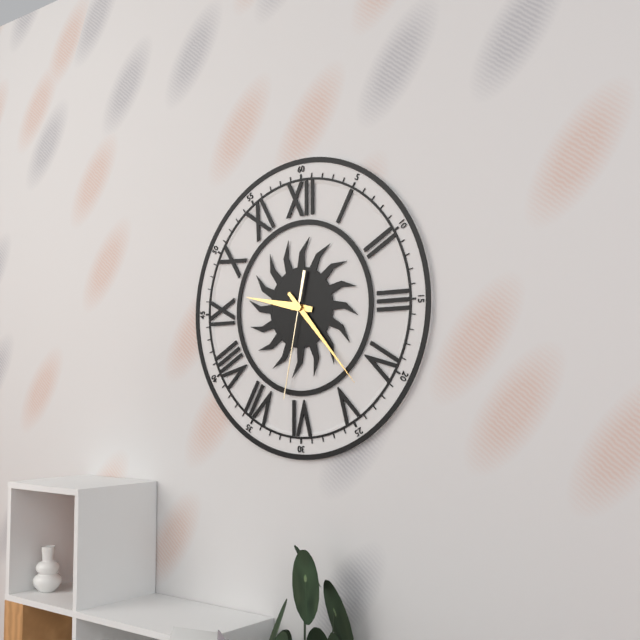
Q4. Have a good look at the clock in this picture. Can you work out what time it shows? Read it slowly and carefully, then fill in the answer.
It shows 9:23:32
